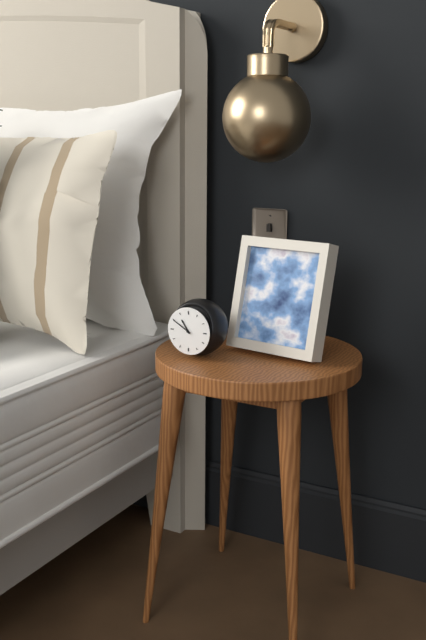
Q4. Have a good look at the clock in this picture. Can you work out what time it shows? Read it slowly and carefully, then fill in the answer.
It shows 10:50
